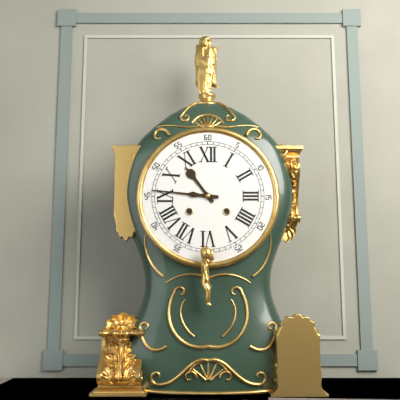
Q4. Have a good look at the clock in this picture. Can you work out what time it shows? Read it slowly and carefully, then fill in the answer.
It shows 10:46
